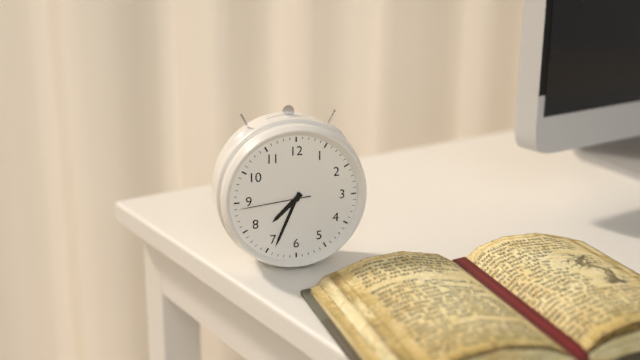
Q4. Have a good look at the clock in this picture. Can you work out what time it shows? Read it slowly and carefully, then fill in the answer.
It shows 7:34:44
